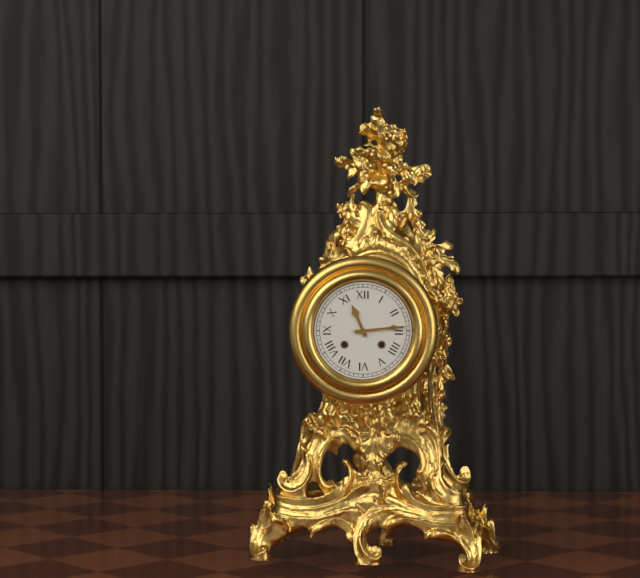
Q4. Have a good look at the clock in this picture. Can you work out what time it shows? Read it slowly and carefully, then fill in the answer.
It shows 11:14
